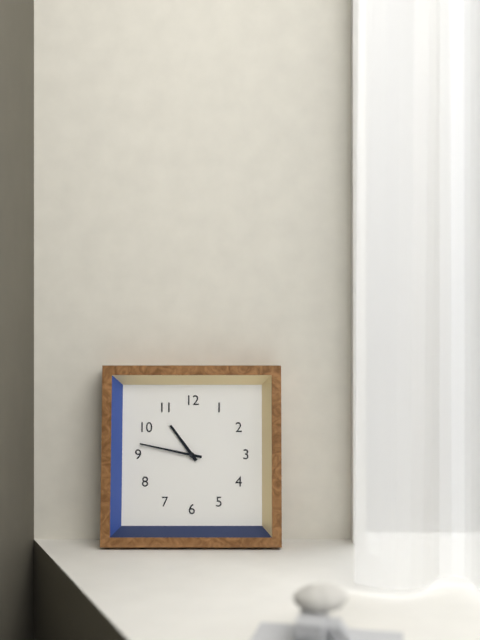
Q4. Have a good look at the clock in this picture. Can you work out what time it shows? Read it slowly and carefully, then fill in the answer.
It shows 10:47
